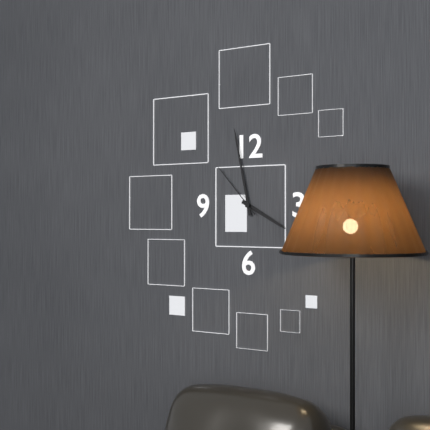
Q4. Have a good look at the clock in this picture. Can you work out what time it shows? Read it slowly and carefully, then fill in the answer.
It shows 3:58:53
